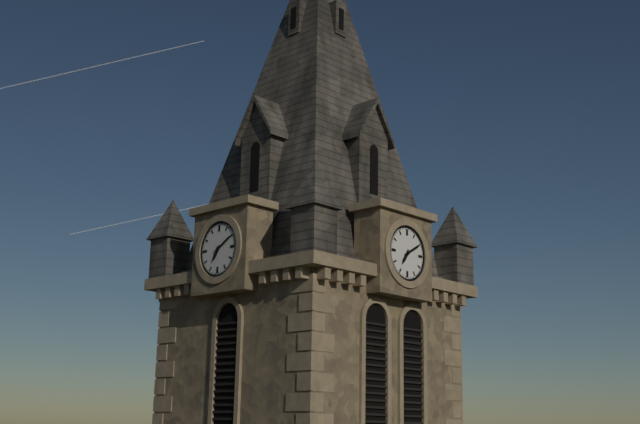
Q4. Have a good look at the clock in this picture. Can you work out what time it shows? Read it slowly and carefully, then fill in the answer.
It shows 7:10
